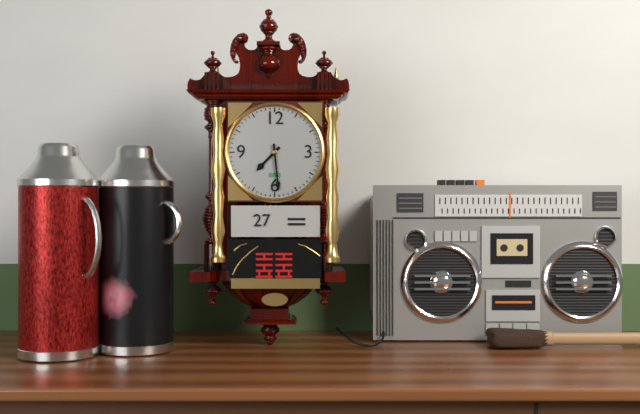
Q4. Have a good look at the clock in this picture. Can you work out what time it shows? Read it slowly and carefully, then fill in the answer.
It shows 7:29
